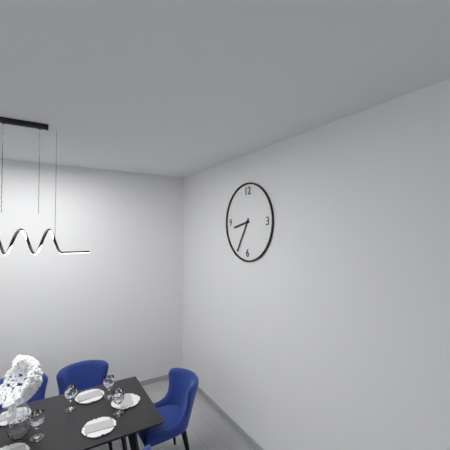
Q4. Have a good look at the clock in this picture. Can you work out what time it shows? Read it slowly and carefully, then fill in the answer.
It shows 8:35
